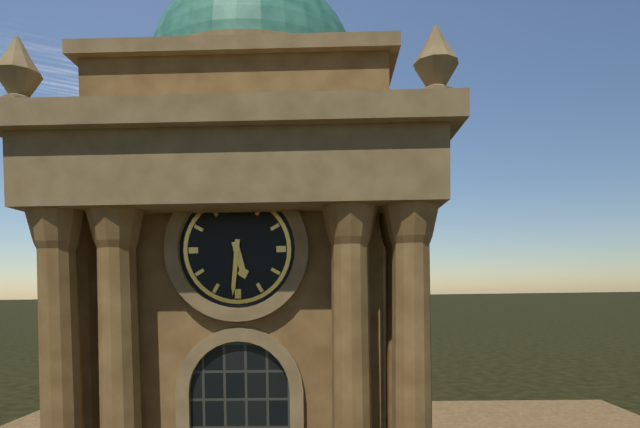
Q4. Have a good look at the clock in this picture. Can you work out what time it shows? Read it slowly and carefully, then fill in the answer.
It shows 5:31
